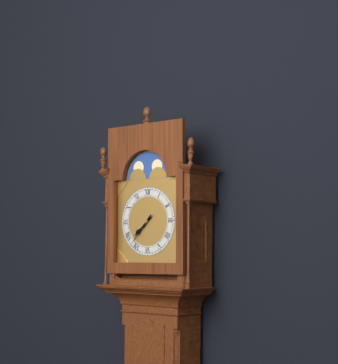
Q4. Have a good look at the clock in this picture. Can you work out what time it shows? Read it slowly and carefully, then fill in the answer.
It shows 7:37
